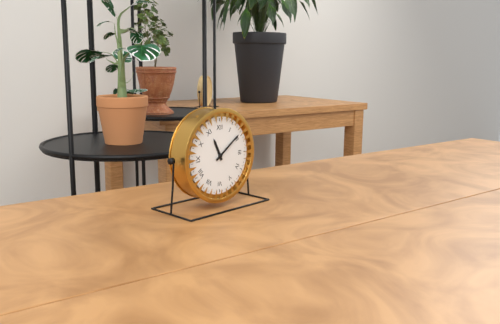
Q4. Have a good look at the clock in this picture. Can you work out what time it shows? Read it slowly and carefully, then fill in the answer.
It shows 11:09
